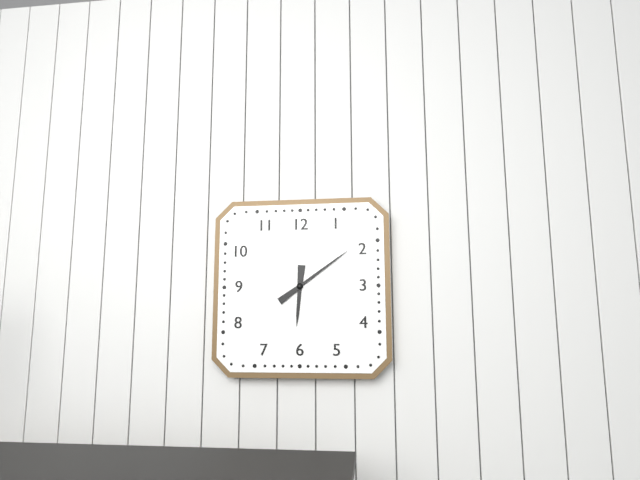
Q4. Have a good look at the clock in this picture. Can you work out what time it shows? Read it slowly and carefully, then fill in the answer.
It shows 6:09
